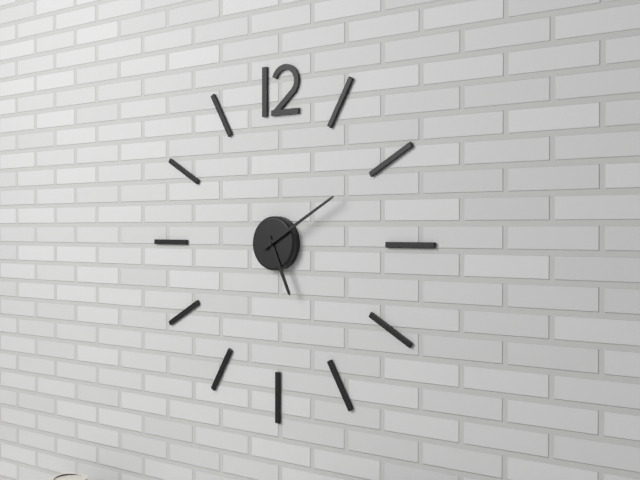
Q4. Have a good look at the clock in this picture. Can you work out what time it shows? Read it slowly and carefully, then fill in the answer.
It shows 5:10
